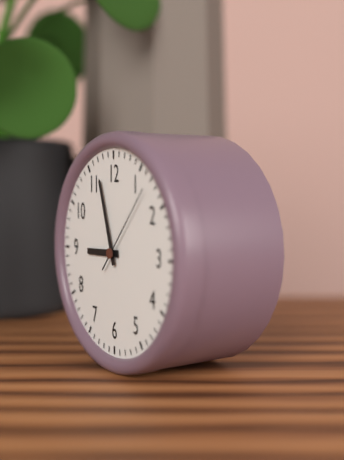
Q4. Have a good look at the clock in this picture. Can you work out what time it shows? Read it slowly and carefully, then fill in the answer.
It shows 8:57:07
